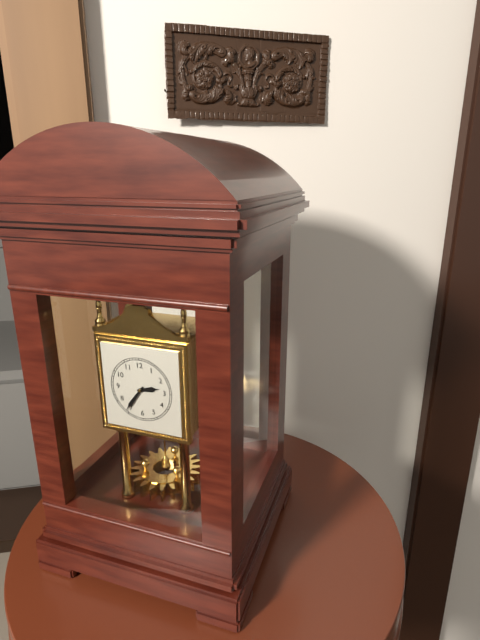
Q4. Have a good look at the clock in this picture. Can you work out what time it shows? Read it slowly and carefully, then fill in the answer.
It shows 2:36
